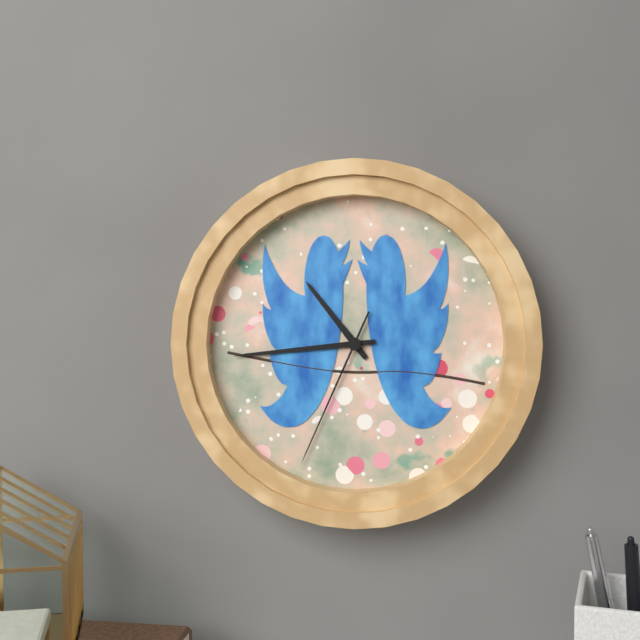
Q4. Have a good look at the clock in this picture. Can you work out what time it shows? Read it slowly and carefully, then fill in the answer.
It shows 10:44:34
